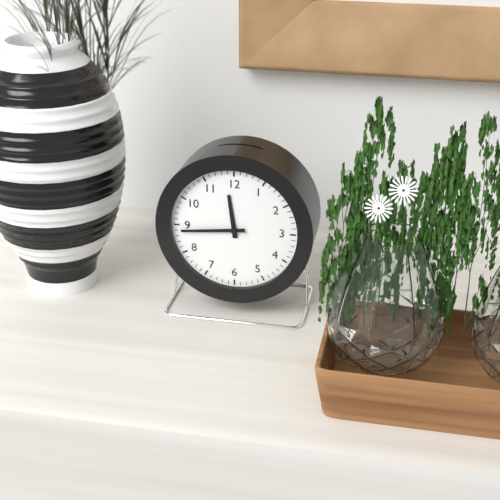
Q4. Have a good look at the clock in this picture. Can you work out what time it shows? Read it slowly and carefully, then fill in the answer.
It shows 11:44
